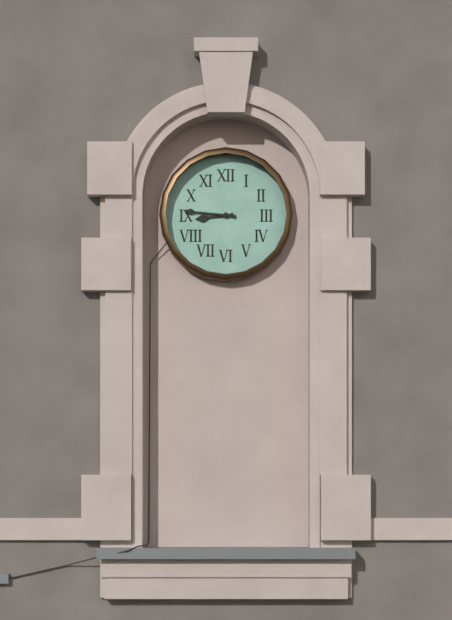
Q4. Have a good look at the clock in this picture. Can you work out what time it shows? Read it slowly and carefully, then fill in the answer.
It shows 8:46
